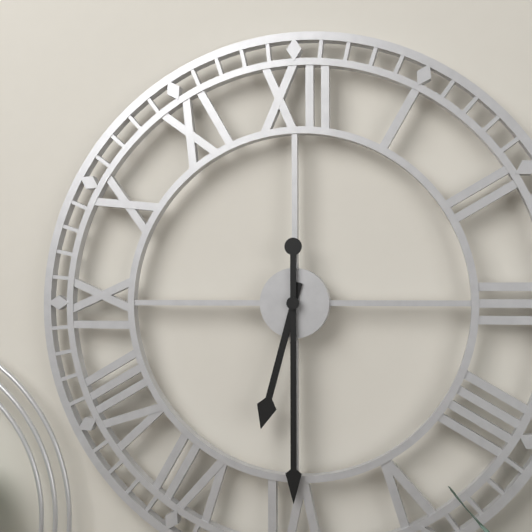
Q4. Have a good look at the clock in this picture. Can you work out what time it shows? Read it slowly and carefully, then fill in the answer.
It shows 6:30
